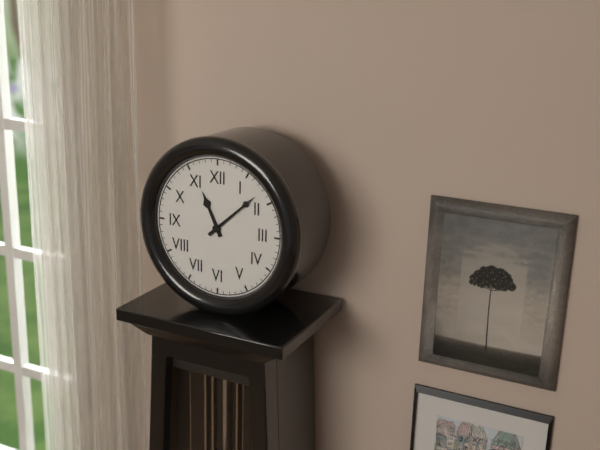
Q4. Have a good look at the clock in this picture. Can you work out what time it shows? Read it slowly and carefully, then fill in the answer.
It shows 11:08
